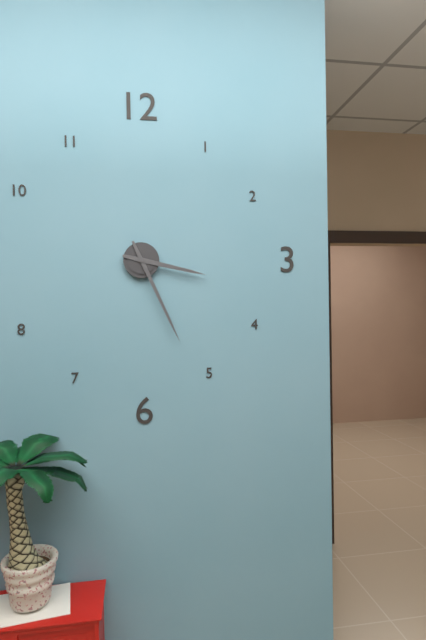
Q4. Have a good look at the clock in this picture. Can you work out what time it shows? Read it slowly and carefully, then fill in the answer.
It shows 3:26
